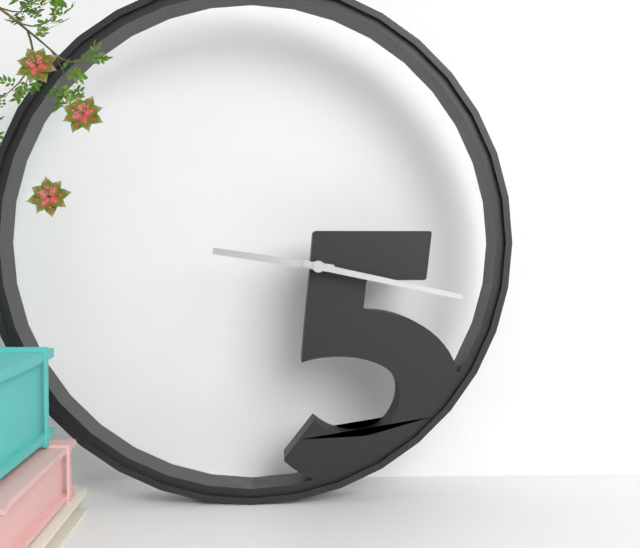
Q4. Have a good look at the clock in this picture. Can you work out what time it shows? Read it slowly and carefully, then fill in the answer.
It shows 9:17
